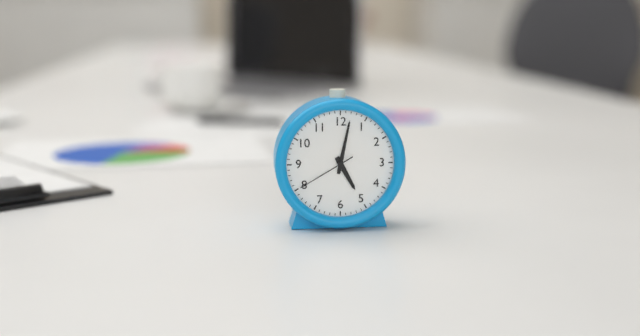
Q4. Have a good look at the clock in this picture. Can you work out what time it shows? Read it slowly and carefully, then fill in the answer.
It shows 5:02:40
